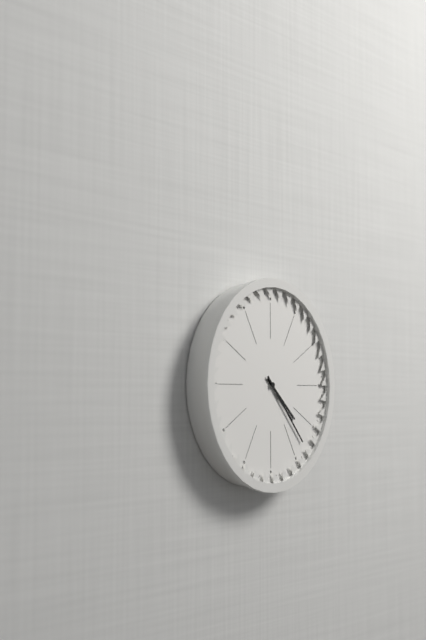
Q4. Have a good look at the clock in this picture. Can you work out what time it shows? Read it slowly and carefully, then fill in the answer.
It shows 4:23
